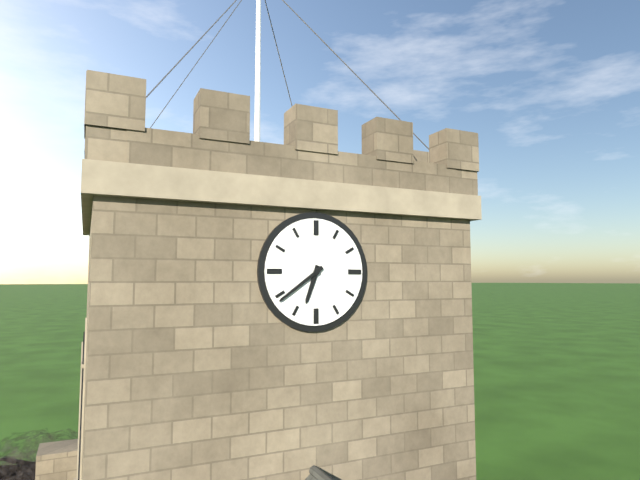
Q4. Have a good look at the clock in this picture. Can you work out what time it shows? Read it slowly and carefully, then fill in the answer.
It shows 6:39
